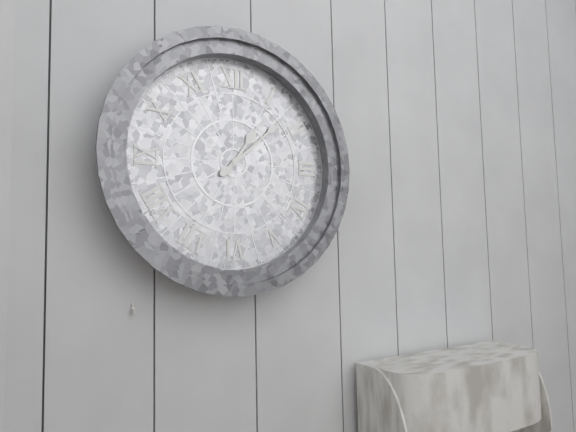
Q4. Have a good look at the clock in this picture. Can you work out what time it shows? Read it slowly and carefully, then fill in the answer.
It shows 1:08
